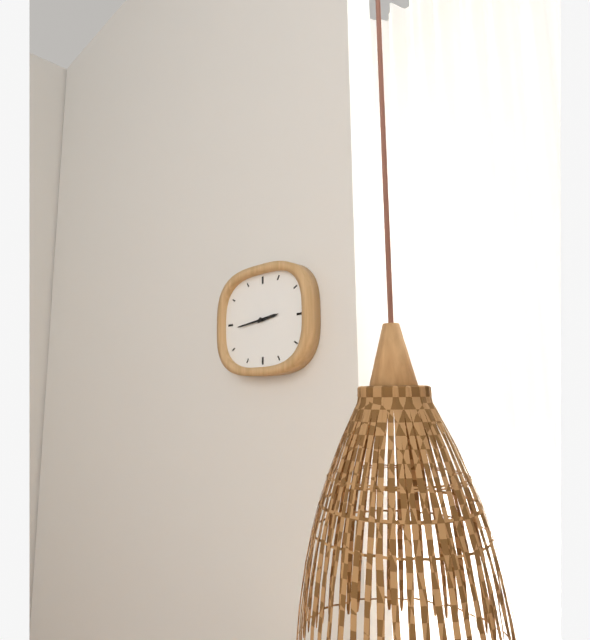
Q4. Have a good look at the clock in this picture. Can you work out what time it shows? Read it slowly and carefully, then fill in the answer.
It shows 2:44
